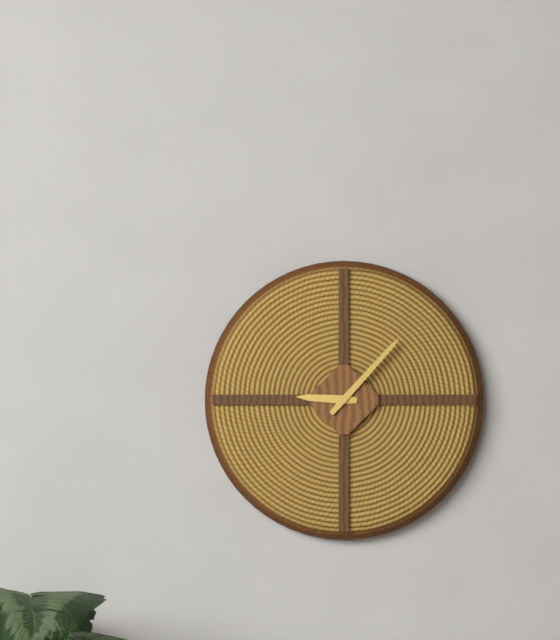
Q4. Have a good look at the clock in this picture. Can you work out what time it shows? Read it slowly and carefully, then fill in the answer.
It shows 9:07
